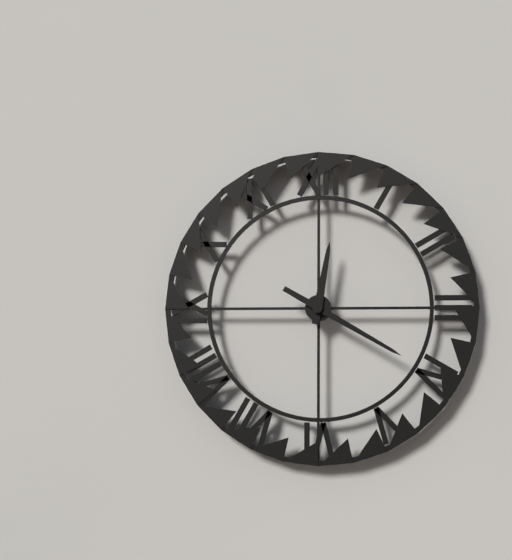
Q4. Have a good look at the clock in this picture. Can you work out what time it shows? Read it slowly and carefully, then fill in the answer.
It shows 12:20
